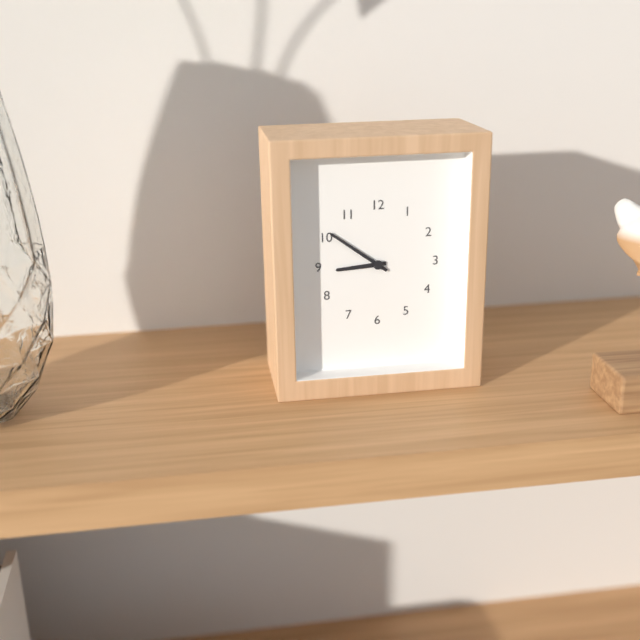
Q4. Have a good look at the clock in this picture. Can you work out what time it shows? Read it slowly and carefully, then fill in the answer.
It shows 8:51
